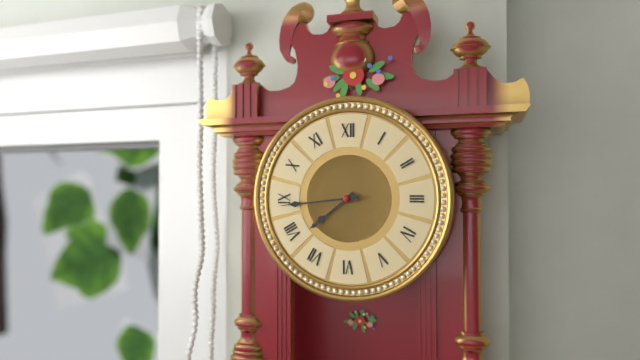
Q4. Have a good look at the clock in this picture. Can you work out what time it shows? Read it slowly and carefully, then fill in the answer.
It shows 7:44
